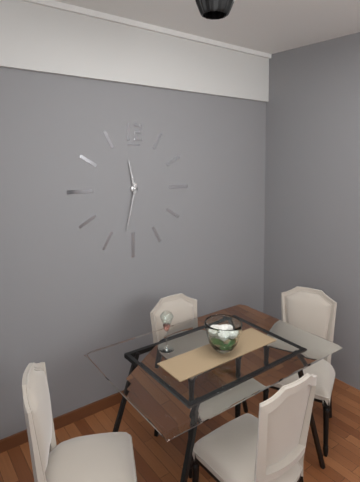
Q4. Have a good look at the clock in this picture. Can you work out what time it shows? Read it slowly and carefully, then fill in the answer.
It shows 11:32
